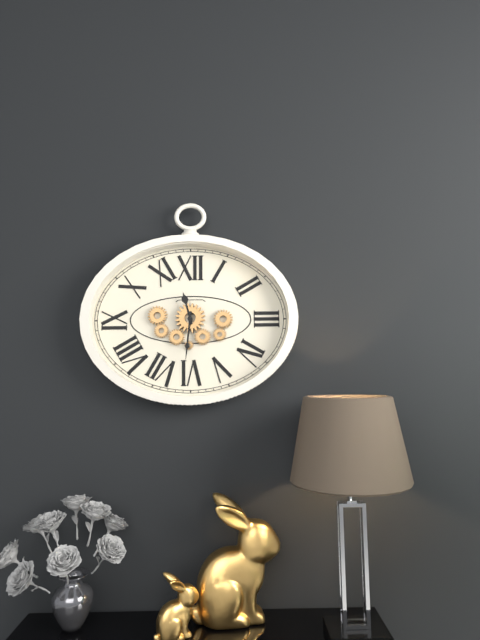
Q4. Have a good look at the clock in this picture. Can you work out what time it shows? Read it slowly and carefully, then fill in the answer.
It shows 11:31
